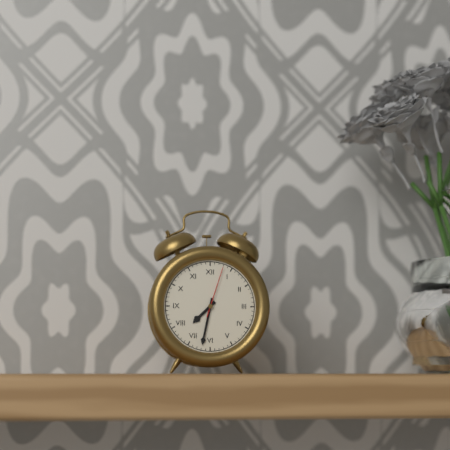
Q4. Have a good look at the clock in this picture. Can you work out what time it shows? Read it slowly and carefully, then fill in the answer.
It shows 7:32:03
